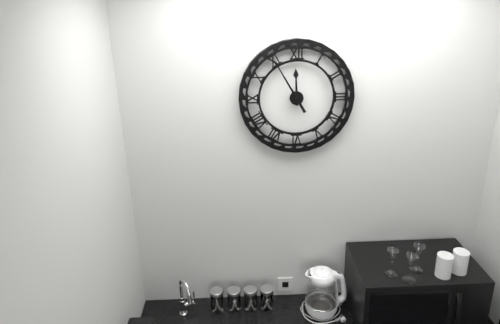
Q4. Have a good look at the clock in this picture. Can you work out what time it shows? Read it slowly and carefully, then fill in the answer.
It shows 11:55
